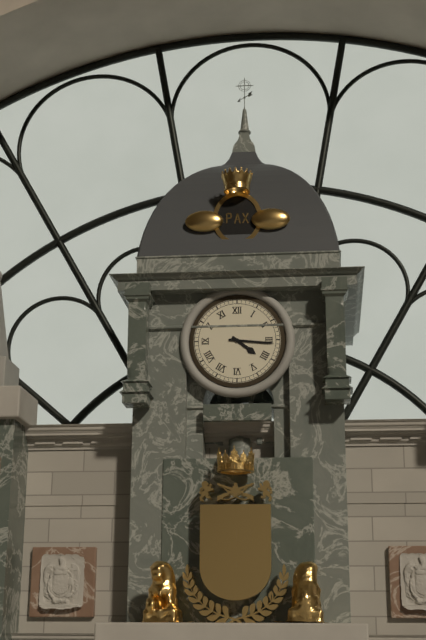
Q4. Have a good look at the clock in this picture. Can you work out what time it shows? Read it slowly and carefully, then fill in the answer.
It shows 4:16
